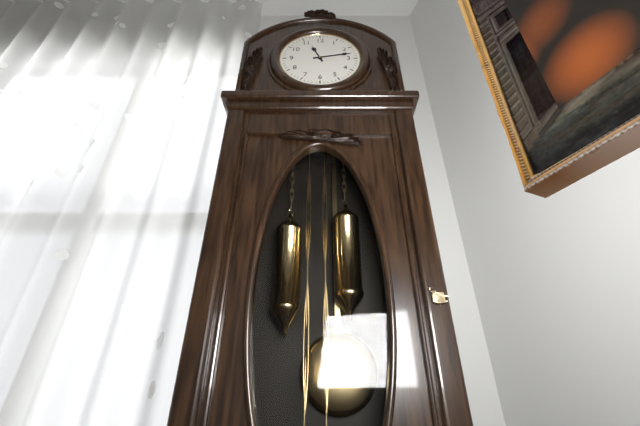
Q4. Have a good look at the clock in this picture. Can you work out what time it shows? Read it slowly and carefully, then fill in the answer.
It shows 11:13
